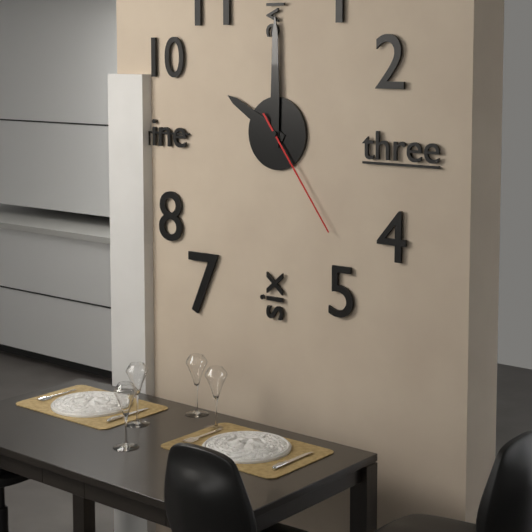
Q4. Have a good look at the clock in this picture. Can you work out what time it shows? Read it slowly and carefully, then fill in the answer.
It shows 10:00:24
